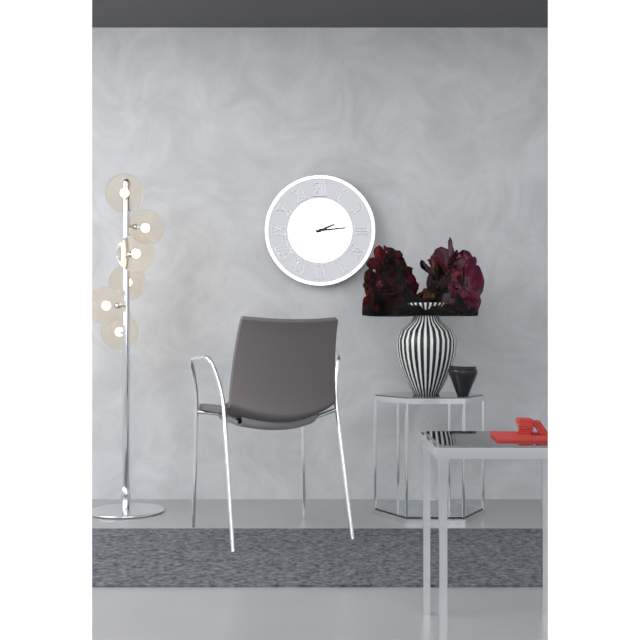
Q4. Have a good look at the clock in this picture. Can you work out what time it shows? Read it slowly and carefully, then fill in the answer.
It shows 2:14
